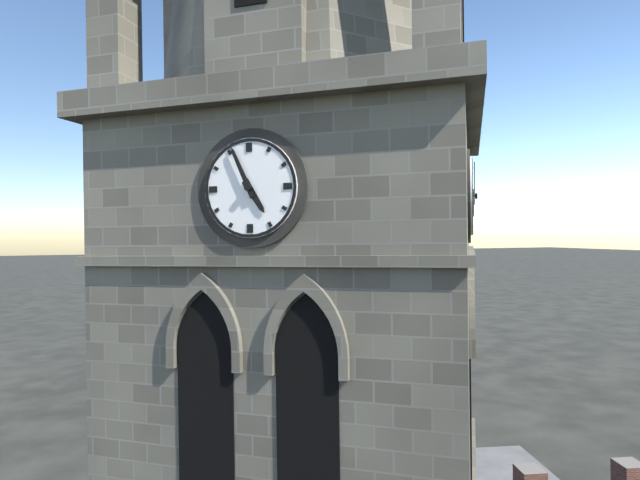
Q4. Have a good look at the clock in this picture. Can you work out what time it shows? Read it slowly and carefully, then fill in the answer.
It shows 4:56
